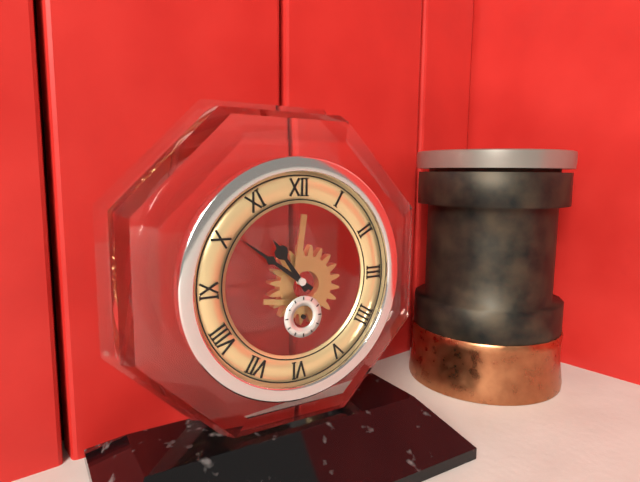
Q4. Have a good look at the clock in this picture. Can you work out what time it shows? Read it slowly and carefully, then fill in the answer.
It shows 10:51
